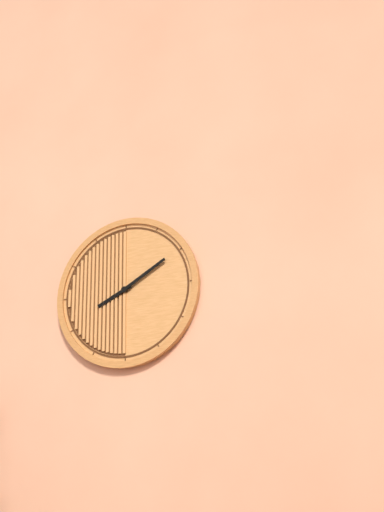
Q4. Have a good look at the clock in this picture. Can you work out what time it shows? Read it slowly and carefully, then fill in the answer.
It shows 8:10
